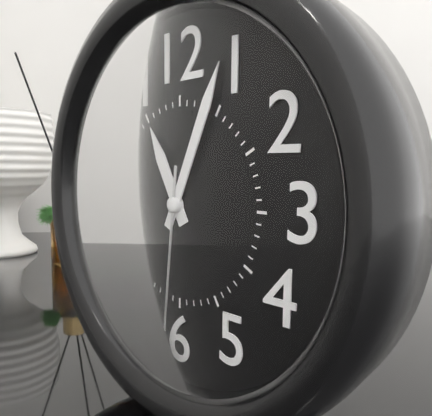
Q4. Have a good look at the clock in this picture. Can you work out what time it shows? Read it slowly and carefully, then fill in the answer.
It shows 11:04:31
